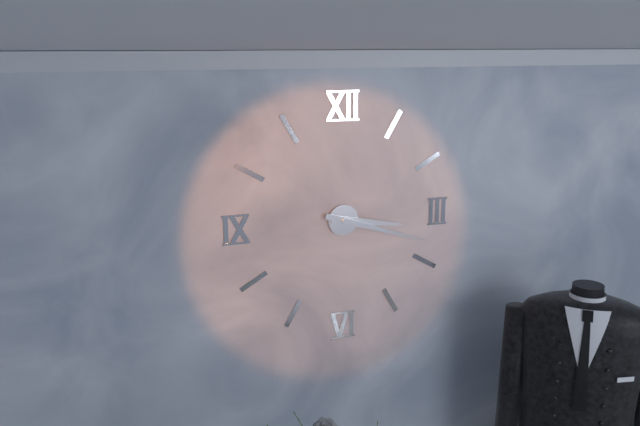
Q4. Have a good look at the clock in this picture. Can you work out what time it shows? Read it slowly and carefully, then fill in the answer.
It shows 3:18
